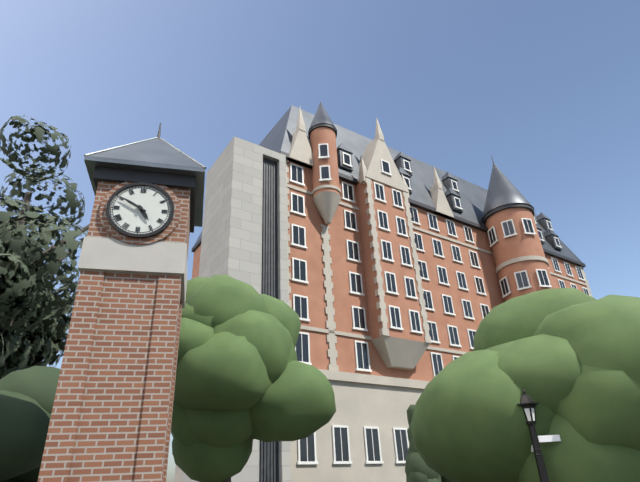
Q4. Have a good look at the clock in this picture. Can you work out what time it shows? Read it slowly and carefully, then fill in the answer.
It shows 4:50
